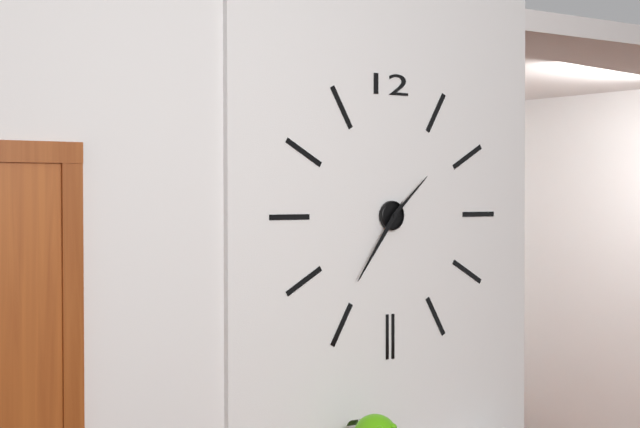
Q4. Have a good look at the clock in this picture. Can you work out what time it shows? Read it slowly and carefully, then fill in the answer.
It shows 1:36
